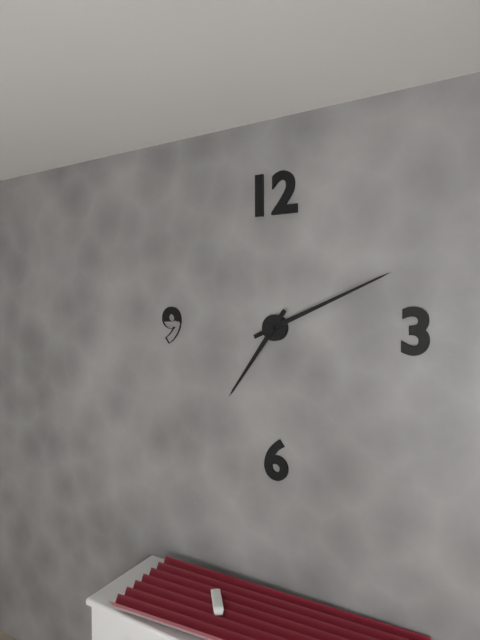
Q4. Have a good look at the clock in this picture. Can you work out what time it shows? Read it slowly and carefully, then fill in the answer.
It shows 7:11
